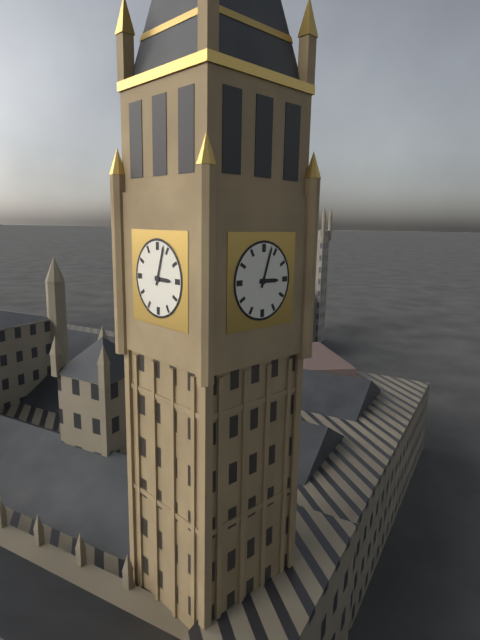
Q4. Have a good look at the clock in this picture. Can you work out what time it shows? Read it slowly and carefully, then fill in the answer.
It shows 3:03
